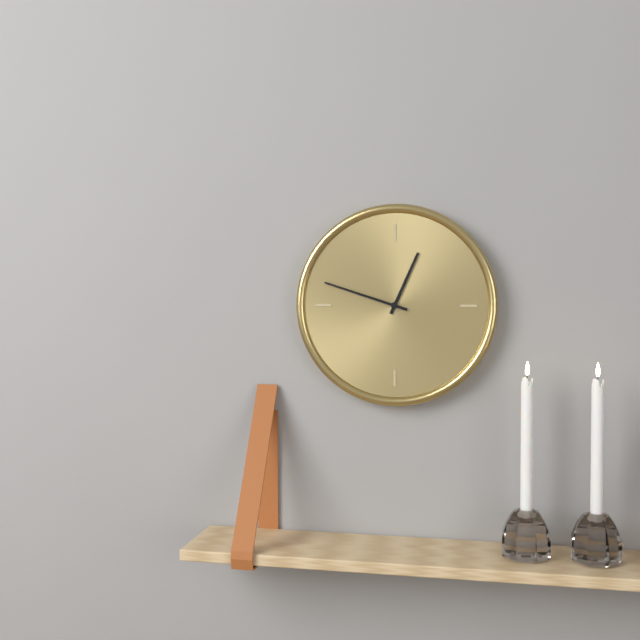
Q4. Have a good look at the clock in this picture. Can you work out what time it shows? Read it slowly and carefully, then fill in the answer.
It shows 12:48
